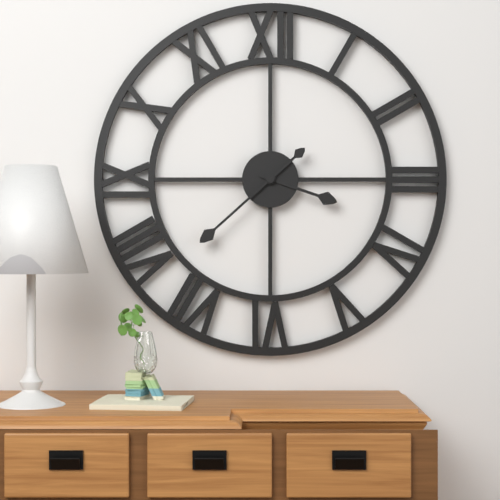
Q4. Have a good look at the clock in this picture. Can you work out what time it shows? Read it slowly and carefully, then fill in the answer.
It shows 3:38
